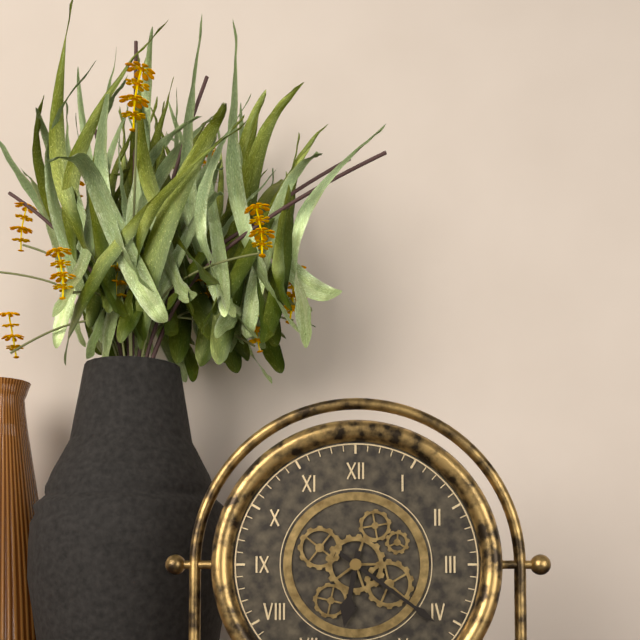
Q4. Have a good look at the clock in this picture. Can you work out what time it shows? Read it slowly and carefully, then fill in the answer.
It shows 6:21
